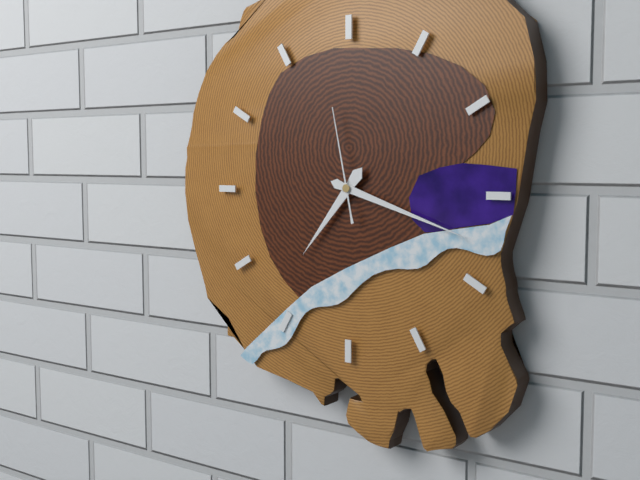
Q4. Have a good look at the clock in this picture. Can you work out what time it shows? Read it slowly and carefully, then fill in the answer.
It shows 7:18:58
